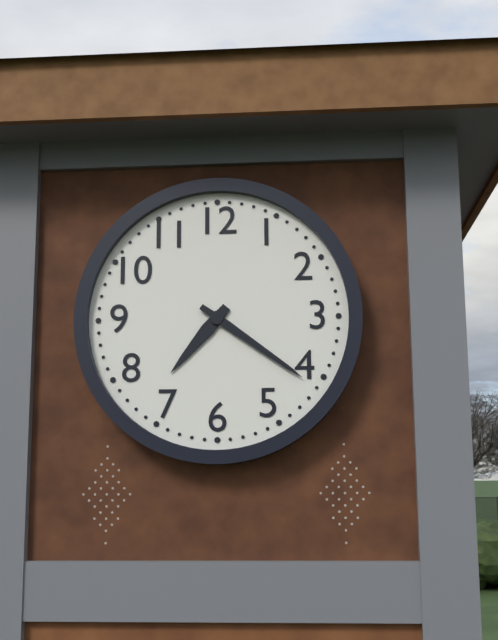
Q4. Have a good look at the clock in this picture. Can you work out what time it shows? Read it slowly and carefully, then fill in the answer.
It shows 7:21
